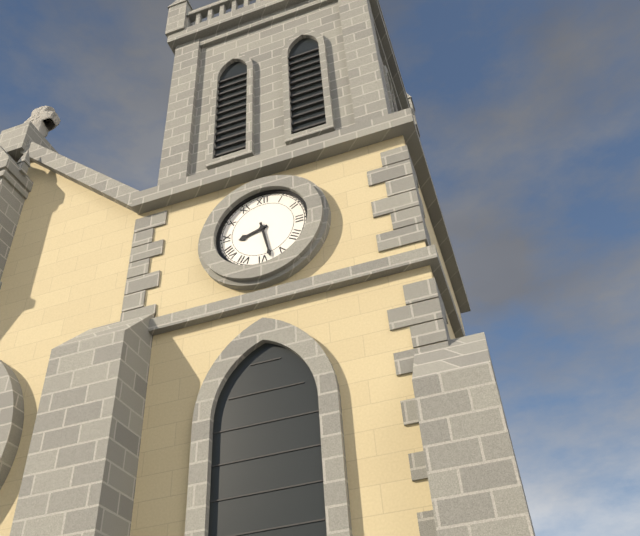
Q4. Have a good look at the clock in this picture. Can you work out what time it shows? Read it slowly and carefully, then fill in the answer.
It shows 8:28
